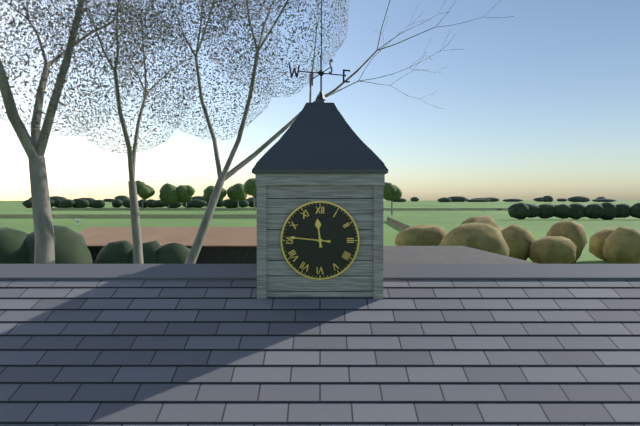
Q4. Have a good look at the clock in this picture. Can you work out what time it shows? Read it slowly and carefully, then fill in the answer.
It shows 11:46
